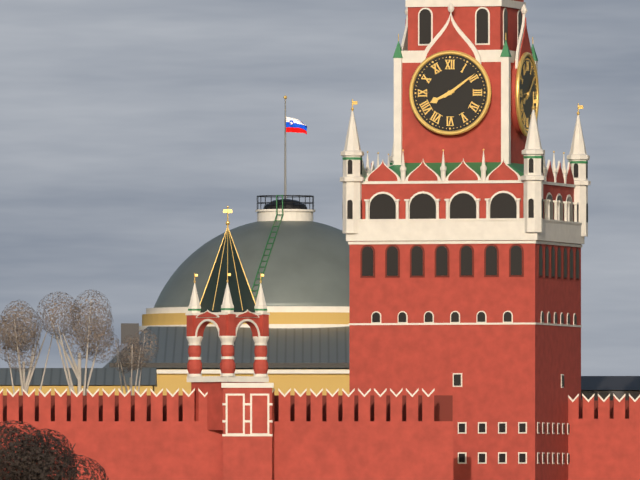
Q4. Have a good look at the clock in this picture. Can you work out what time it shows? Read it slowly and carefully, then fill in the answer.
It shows 8:09
